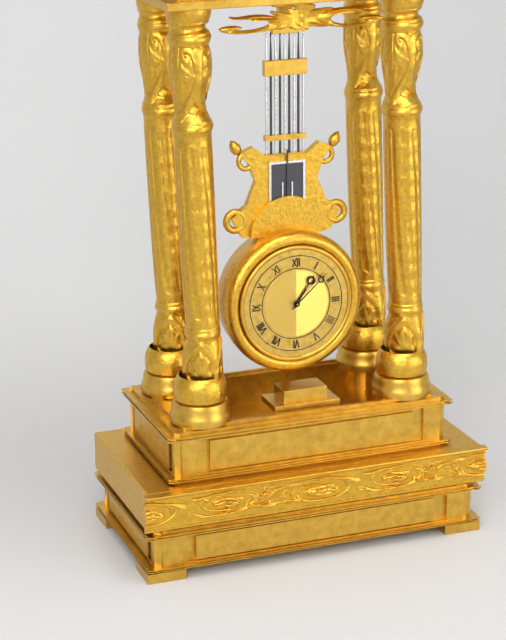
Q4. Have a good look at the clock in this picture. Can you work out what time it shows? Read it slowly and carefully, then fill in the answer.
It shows 1:08
